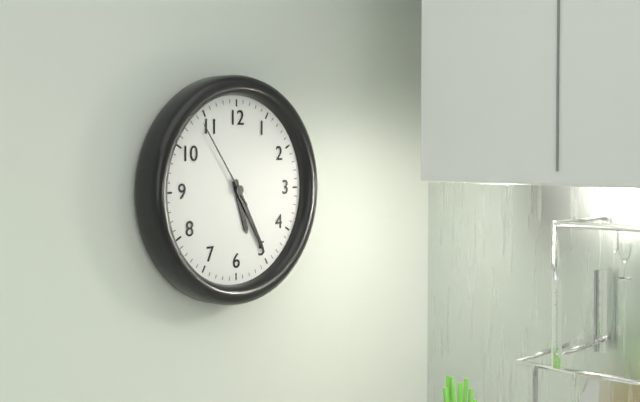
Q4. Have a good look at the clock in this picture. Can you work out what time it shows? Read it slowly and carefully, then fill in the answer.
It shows 5:25:54
